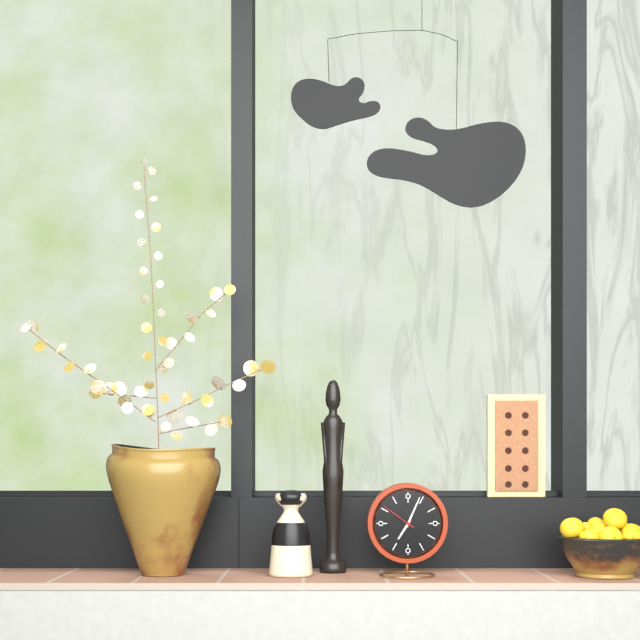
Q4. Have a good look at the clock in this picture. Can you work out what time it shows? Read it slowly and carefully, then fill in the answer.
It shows 7:04
